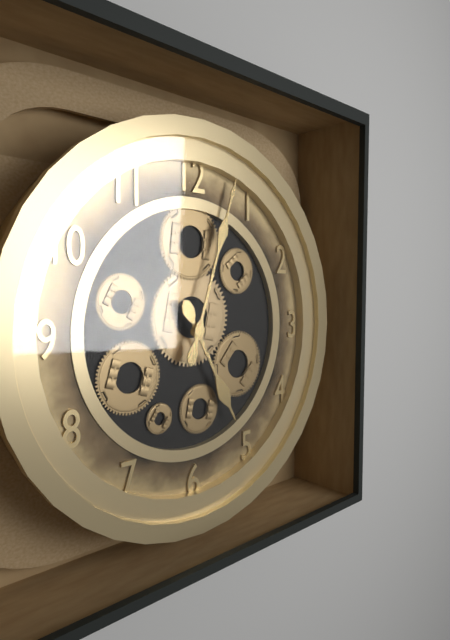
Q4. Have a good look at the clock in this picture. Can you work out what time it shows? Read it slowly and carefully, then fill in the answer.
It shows 5:03
